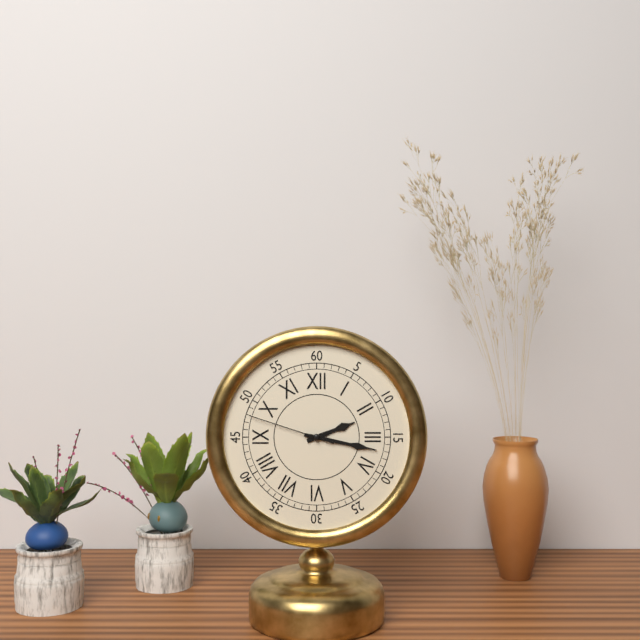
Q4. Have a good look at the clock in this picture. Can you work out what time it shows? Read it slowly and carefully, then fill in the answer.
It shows 2:17:48
